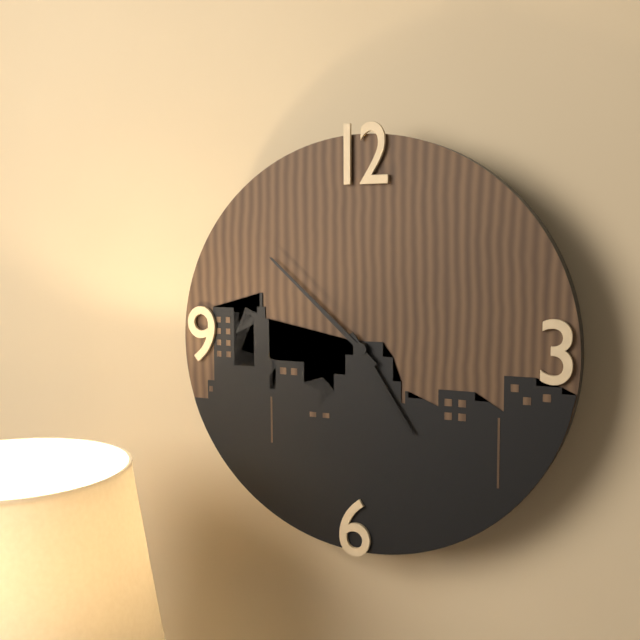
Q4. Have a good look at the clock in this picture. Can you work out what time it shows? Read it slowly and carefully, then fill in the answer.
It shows 4:52
